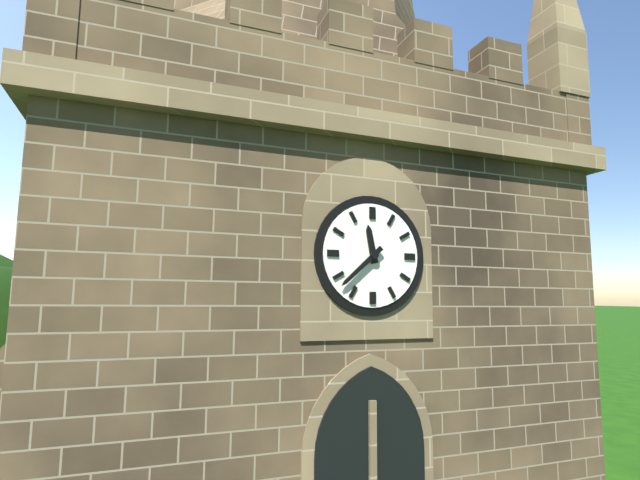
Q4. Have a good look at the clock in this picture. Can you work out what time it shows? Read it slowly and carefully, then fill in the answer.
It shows 11:38
